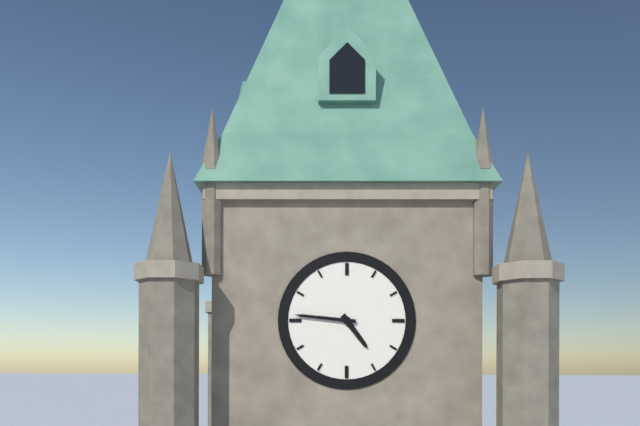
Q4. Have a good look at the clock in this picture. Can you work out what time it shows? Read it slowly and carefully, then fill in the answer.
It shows 4:46
